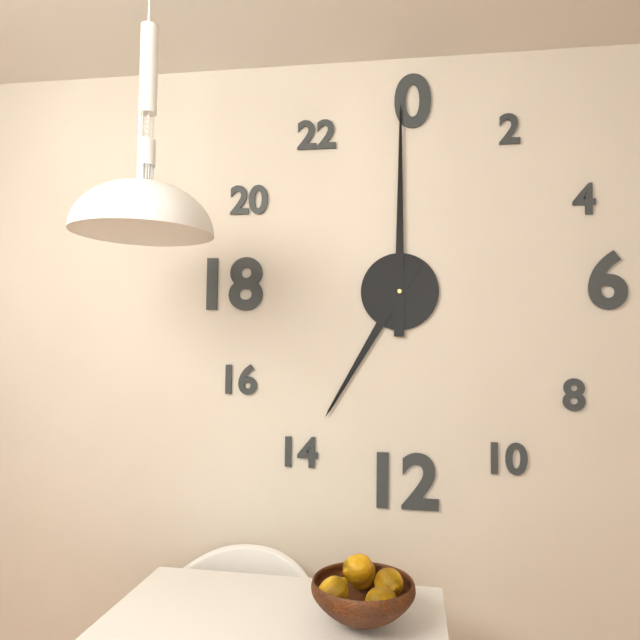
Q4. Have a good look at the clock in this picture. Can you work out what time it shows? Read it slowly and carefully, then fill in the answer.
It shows 7:00
